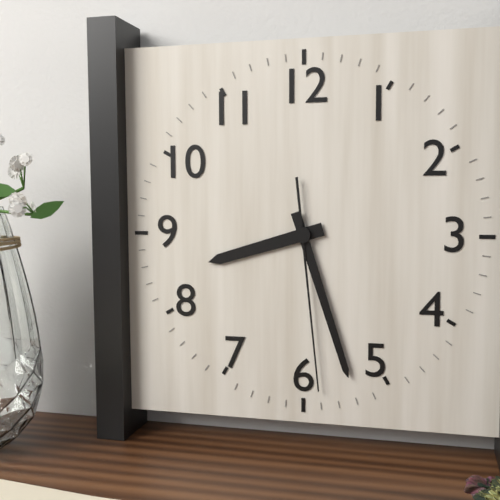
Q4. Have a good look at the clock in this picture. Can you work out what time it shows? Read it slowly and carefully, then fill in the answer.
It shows 8:27:29
